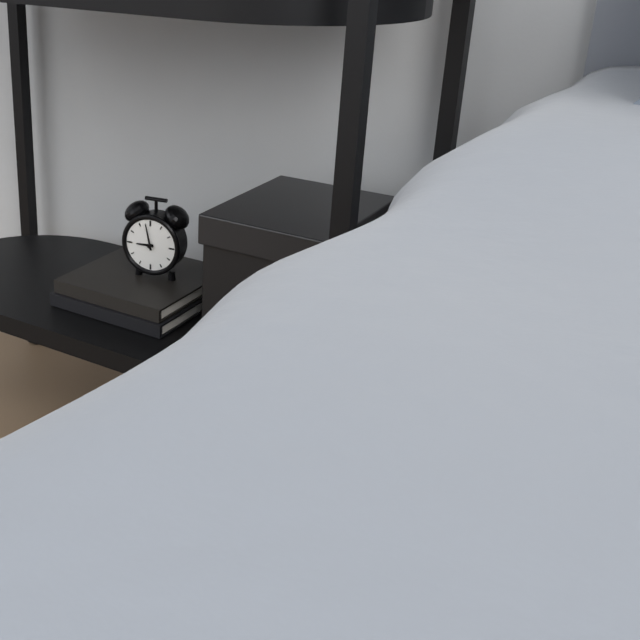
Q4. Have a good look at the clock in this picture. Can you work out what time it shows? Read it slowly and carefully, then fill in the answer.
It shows 8:58
